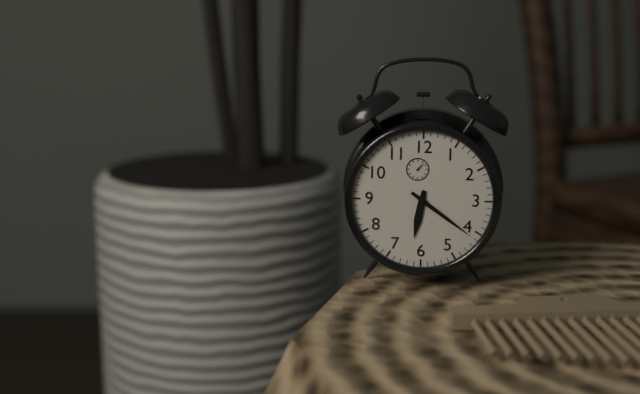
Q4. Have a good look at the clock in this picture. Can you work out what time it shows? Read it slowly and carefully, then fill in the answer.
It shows 6:21
